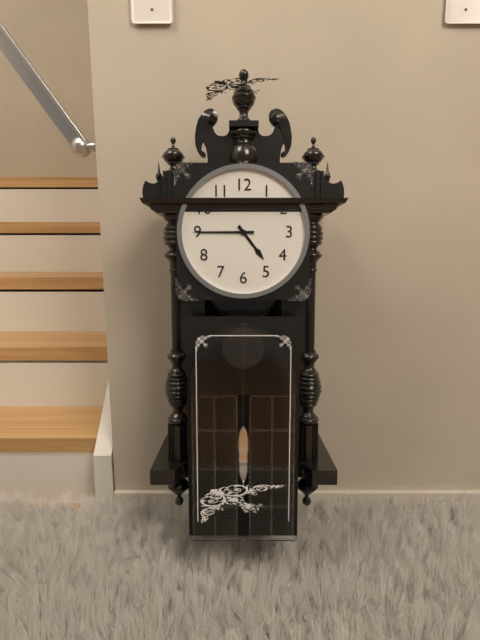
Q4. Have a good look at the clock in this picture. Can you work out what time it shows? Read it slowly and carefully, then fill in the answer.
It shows 4:45
